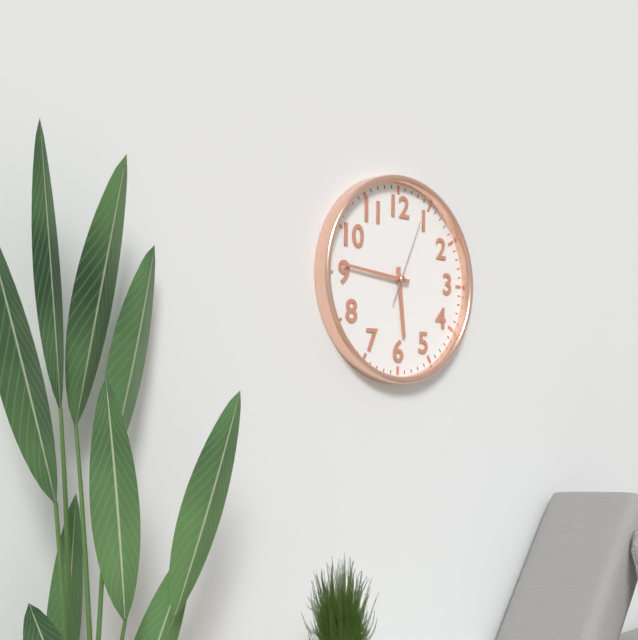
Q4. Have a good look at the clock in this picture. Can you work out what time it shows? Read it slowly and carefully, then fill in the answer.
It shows 5:46:04
